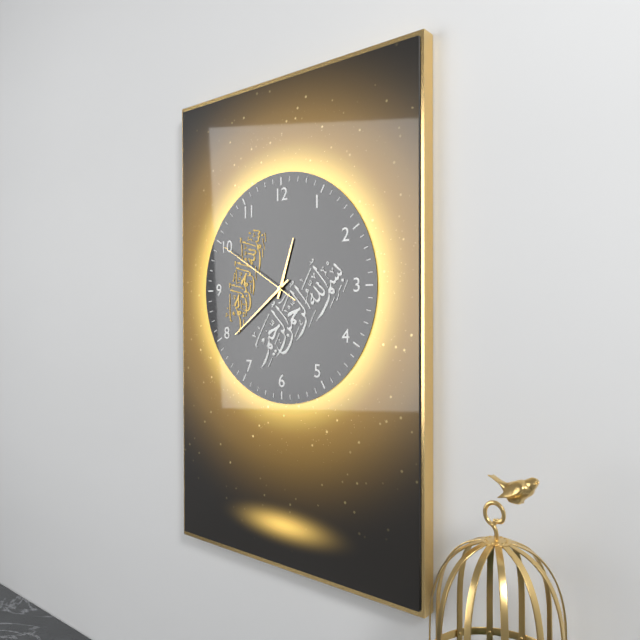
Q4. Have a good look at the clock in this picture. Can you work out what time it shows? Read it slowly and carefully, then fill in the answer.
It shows 12:39:50
